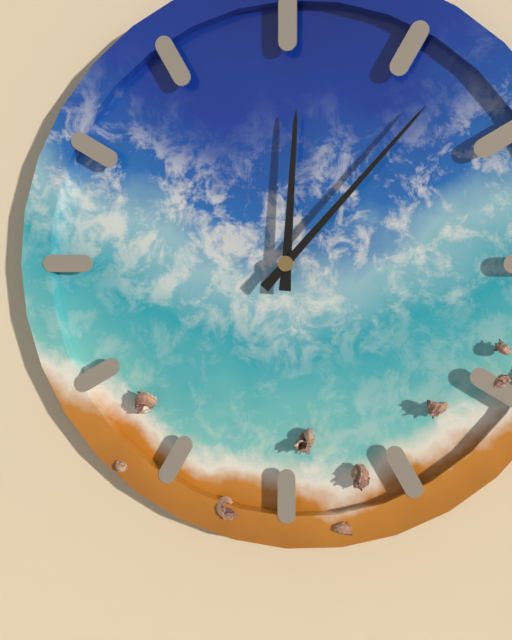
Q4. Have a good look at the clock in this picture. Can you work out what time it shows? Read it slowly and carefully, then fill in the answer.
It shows 12:07
